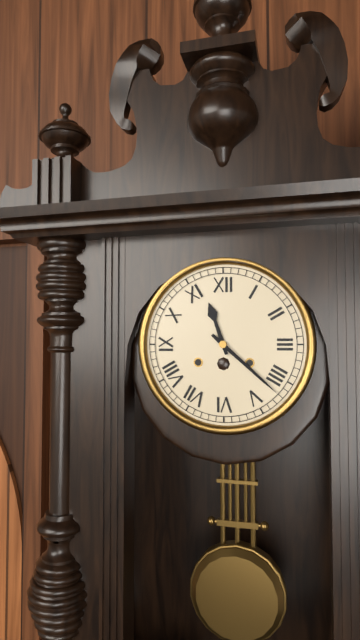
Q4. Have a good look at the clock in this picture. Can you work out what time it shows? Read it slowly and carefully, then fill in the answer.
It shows 11:22
